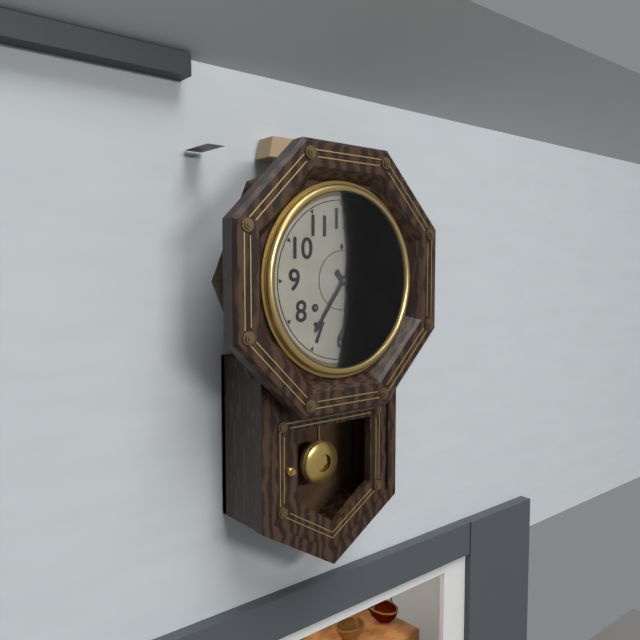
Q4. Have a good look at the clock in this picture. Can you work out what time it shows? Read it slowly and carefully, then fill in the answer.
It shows 4:36
